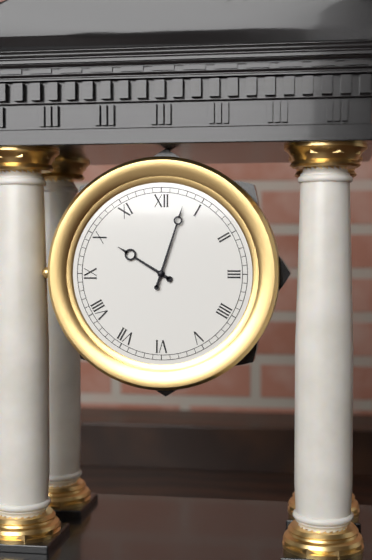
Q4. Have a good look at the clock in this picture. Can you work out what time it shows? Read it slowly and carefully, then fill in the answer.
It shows 10:03
